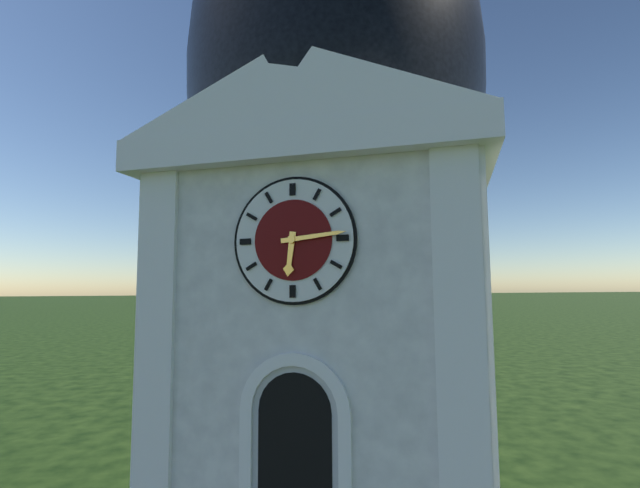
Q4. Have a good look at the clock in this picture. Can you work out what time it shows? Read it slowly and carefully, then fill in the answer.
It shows 6:14
